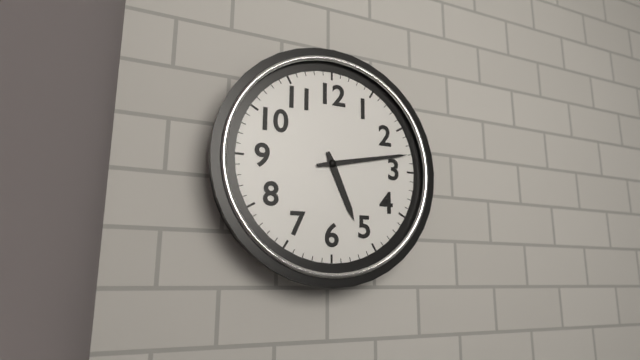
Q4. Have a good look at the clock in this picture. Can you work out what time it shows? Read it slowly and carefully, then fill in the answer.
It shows 5:13
